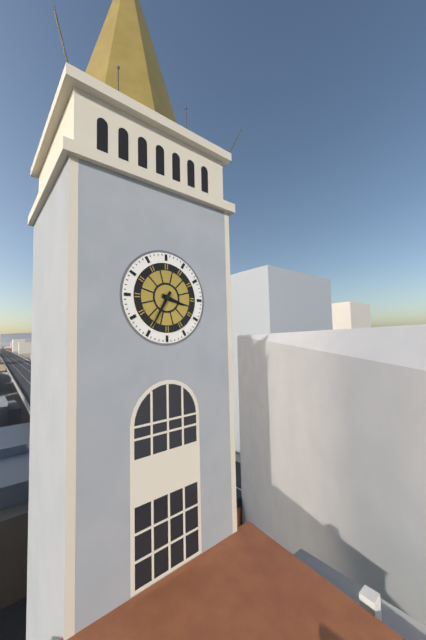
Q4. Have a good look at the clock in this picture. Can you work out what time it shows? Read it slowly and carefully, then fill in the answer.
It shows 3:35
